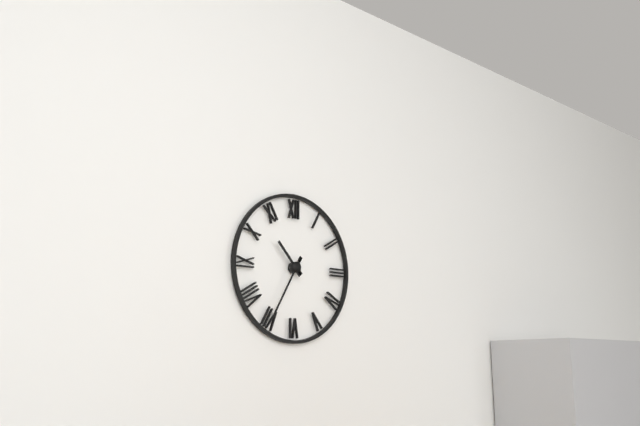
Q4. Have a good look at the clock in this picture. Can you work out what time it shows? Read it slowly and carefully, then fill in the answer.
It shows 10:35
